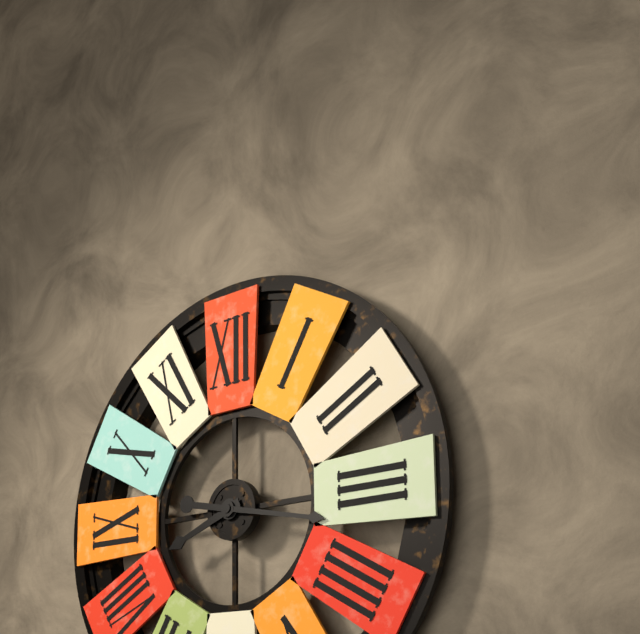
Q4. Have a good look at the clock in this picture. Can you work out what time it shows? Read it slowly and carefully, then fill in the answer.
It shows 8:17
